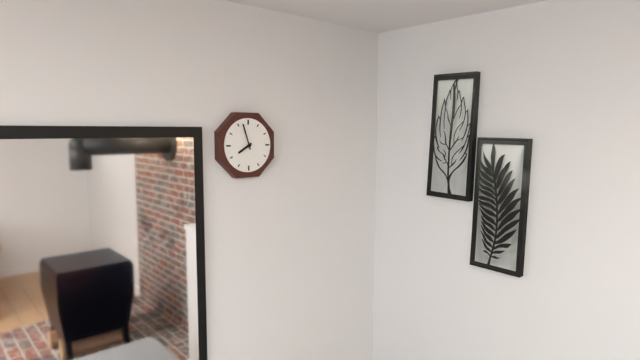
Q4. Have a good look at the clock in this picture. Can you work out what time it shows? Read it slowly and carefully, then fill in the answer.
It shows 7:57
